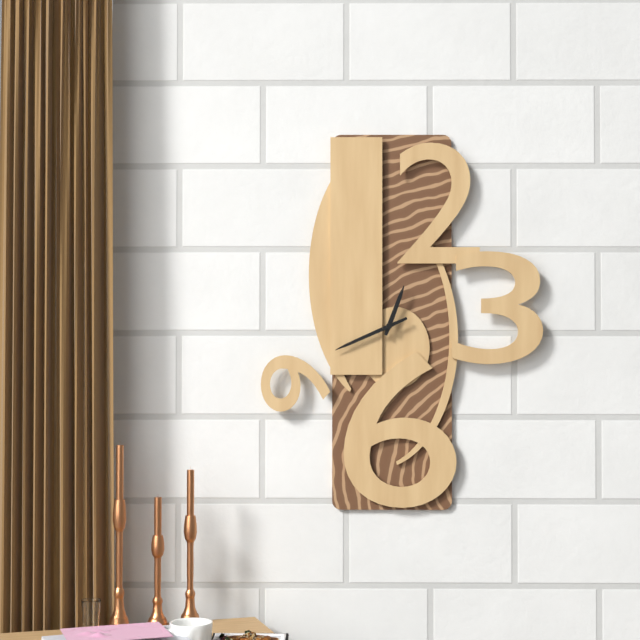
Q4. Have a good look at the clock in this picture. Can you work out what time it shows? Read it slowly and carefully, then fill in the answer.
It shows 12:41
